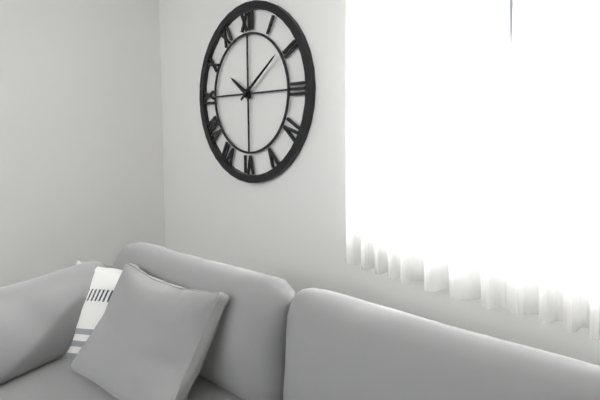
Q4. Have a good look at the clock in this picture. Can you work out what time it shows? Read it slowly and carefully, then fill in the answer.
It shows 10:09
